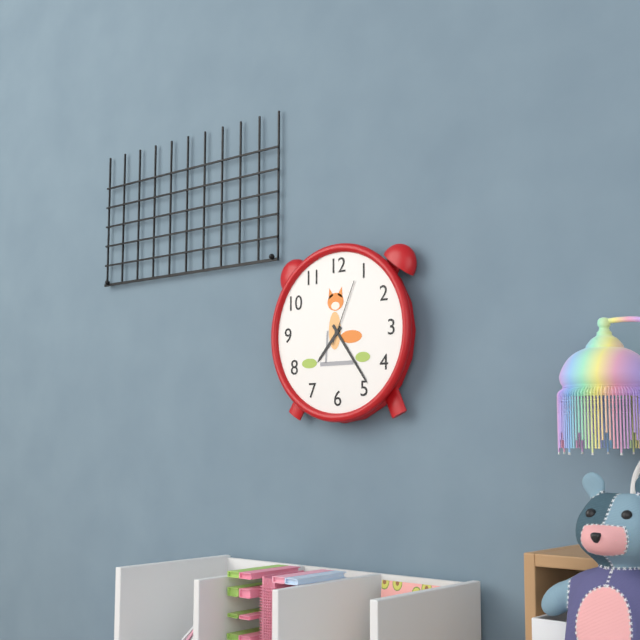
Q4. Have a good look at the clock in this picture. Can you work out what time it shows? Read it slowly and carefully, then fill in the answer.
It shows 7:24:04
